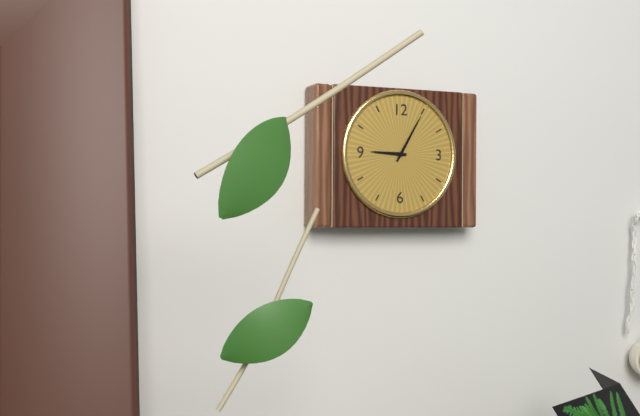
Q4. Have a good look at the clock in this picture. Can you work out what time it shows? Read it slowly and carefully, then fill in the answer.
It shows 9:05
